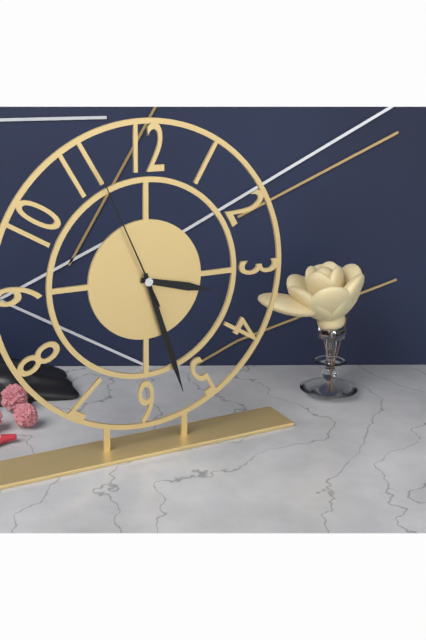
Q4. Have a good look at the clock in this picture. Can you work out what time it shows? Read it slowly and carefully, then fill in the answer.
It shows 3:27:56
